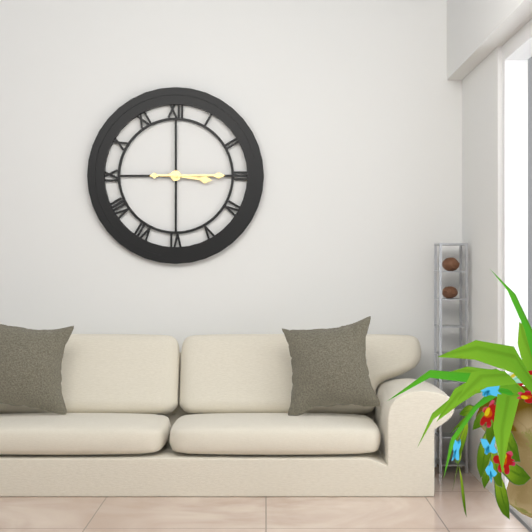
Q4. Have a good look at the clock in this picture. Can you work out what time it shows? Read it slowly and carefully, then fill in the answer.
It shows 3:15
